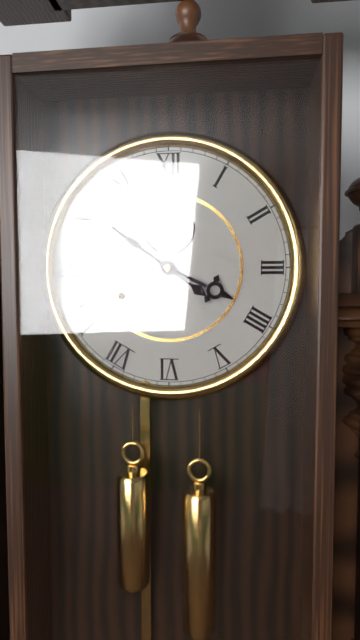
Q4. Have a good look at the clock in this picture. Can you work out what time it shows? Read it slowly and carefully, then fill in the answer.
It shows 3:51
